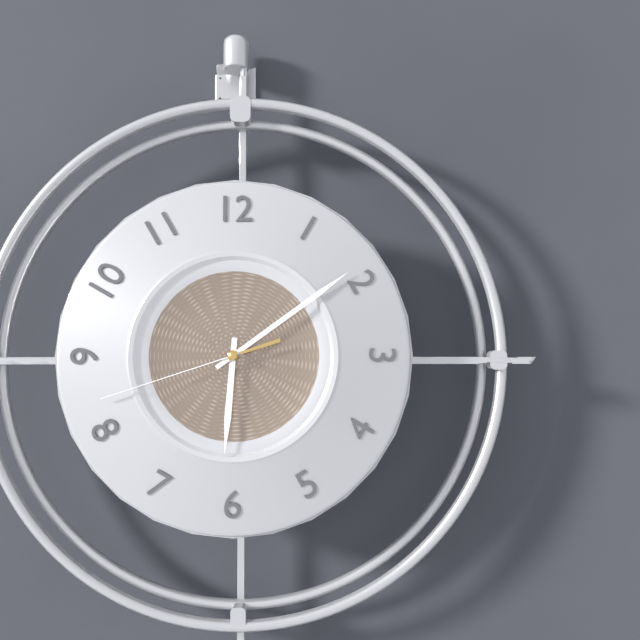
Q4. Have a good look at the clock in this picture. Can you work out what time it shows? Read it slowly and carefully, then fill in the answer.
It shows 6:09:42
